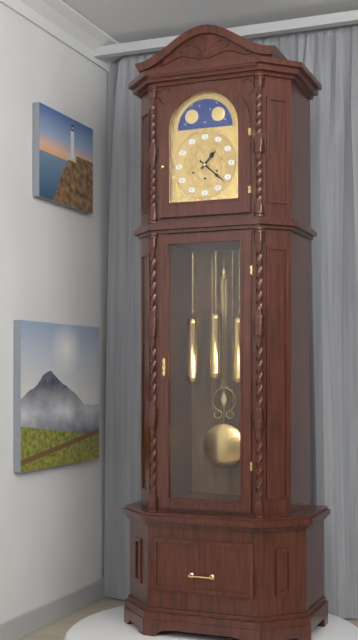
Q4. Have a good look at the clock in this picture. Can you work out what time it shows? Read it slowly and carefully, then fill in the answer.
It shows 1:22
